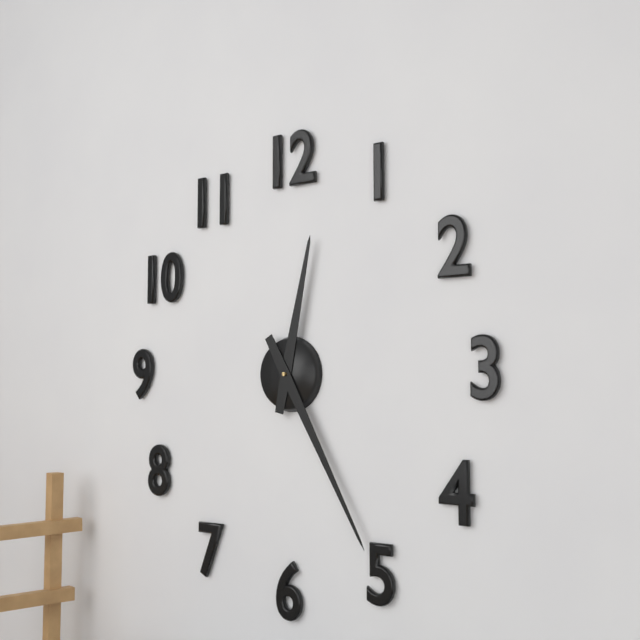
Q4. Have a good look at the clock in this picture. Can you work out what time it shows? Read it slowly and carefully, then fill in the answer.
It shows 12:25
